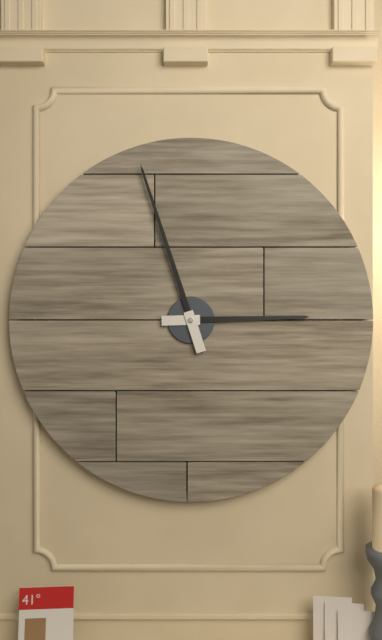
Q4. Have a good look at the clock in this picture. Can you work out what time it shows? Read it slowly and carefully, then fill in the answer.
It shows 2:57
